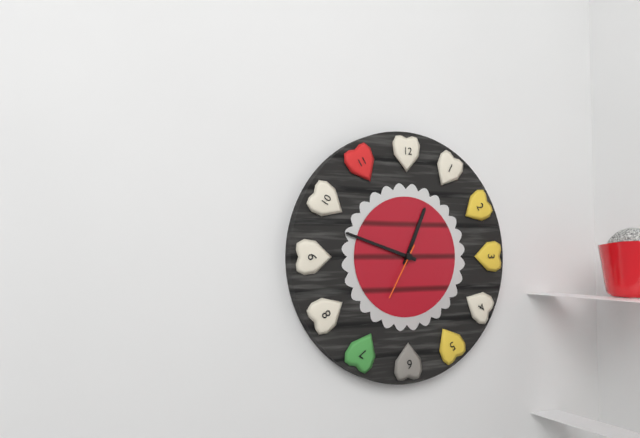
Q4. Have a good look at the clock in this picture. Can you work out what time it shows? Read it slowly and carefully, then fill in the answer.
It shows 12:48:35
